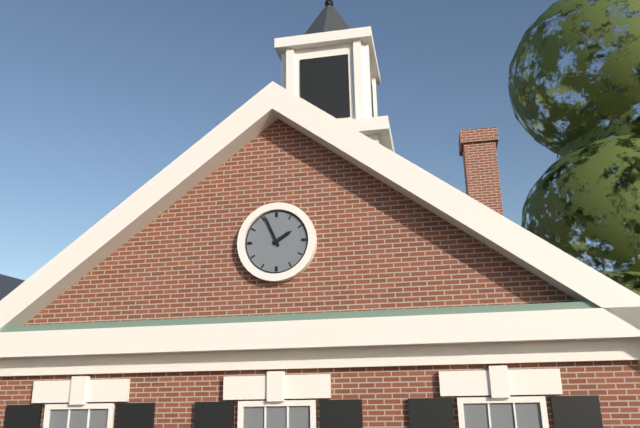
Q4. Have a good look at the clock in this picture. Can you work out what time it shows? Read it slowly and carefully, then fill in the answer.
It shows 1:56
